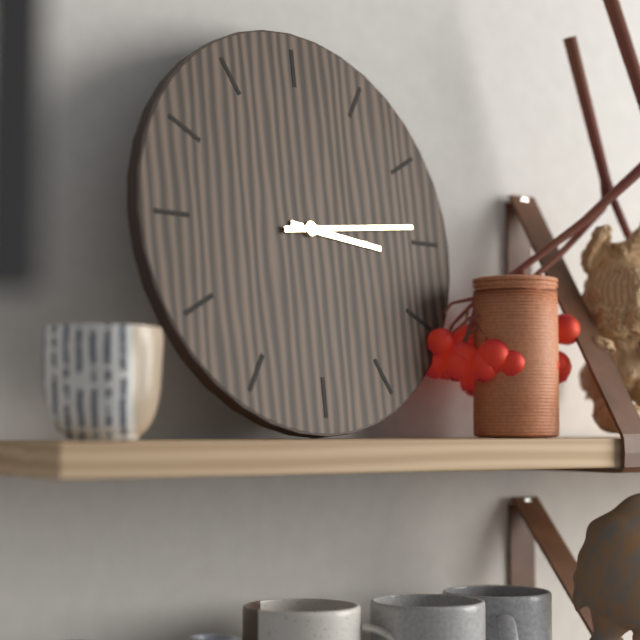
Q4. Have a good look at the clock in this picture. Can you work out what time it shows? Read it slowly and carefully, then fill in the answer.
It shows 3:14
